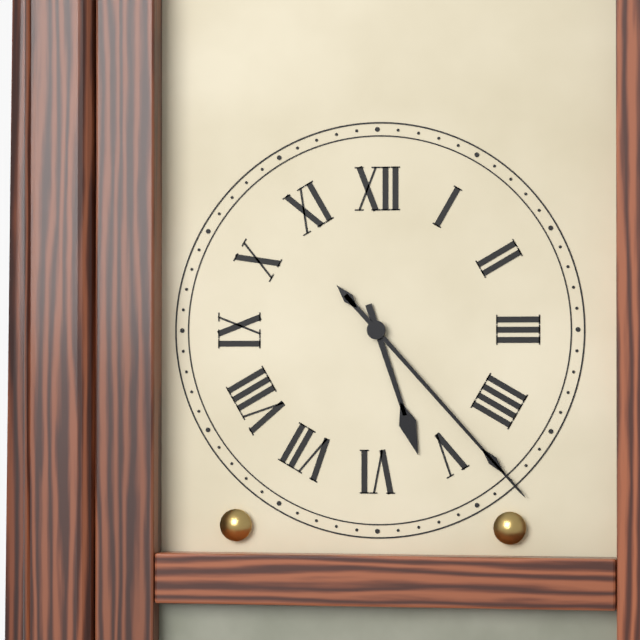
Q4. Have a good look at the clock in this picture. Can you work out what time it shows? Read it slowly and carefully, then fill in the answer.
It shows 5:23
